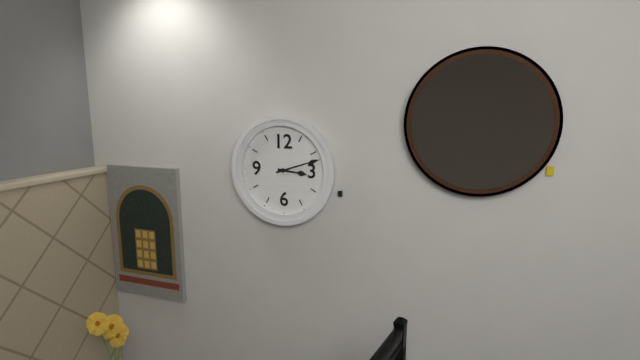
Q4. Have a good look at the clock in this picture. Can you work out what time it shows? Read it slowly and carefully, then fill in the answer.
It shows 3:12
